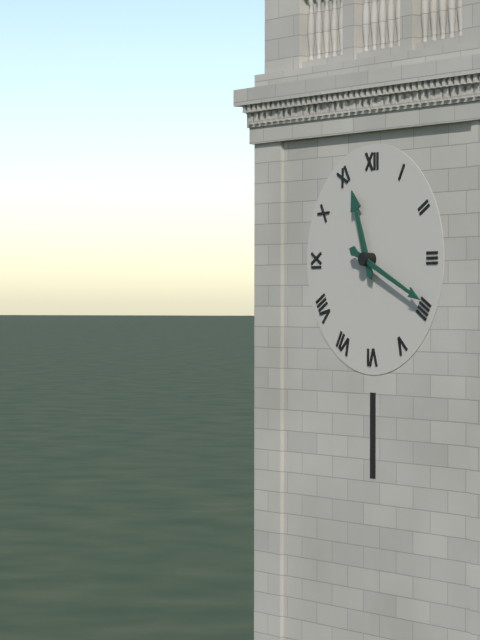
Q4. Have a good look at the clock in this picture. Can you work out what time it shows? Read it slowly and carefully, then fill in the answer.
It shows 11:19
